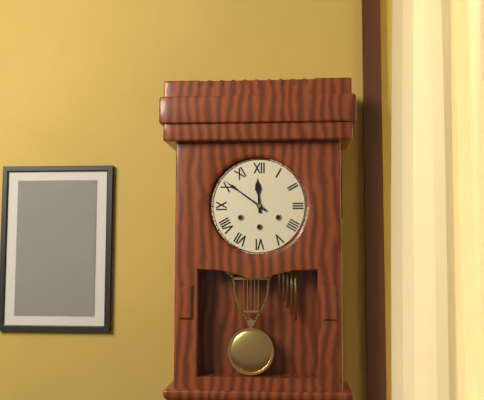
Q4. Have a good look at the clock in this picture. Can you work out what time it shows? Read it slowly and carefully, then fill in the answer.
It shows 11:51
